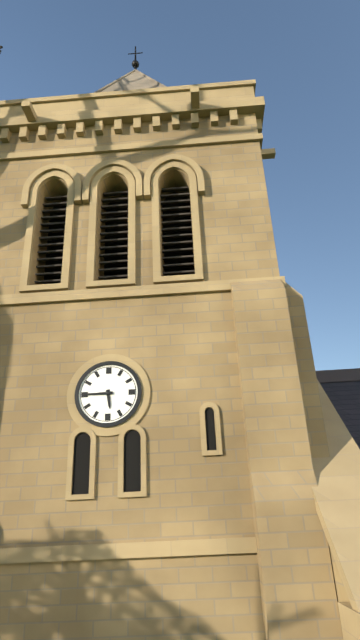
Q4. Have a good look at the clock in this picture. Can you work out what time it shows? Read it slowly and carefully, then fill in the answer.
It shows 5:45
